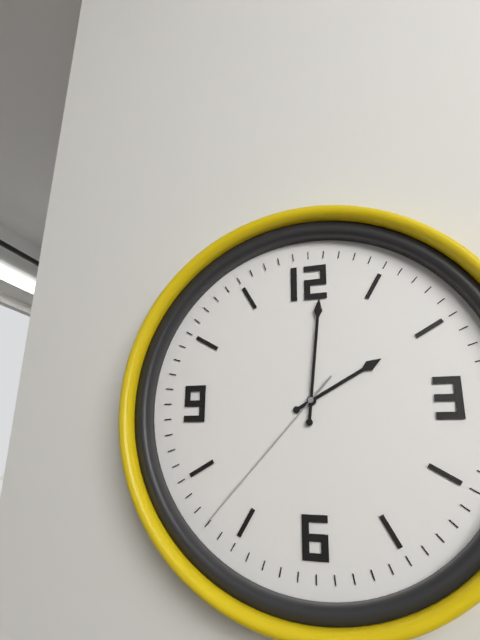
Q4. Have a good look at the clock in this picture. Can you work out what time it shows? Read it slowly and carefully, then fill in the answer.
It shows 2:01:37
